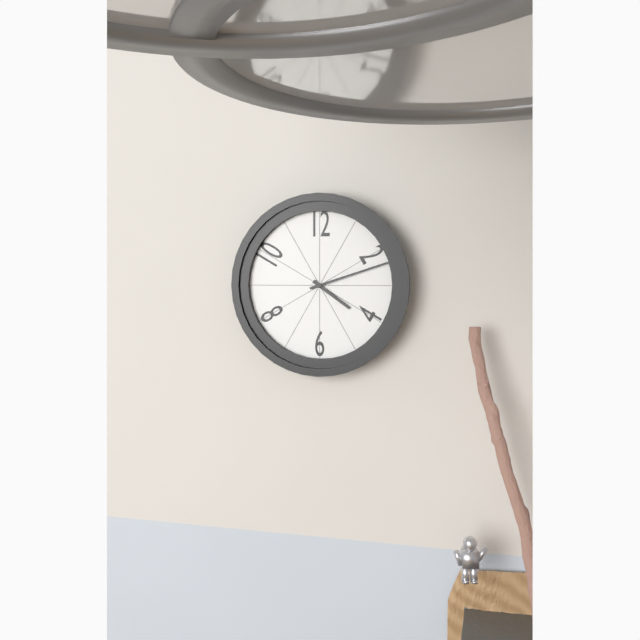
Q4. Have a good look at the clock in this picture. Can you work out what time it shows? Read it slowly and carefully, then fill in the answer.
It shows 4:12
